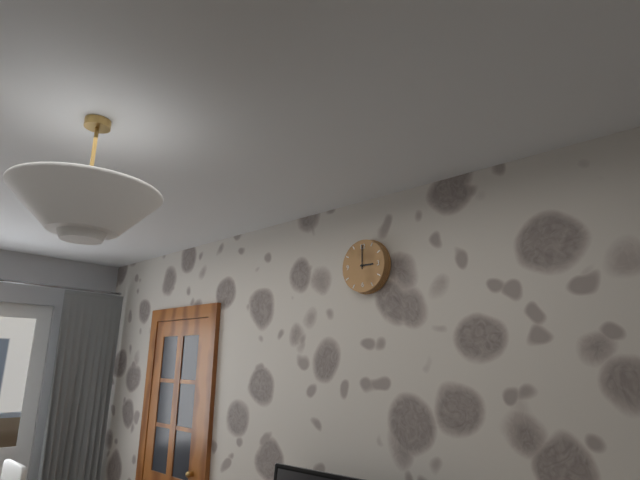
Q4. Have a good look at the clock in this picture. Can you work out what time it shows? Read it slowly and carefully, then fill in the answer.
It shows 3:00
